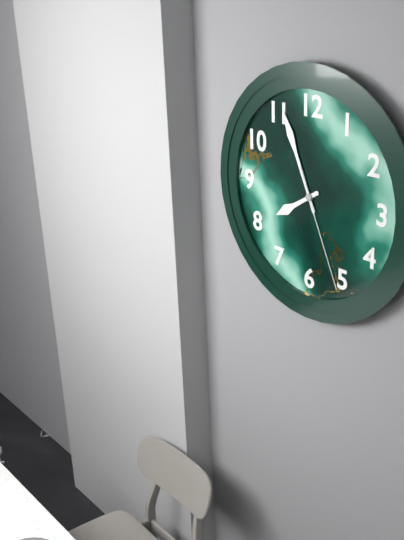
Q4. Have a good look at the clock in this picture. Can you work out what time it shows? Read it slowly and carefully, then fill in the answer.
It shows 7:56:26
